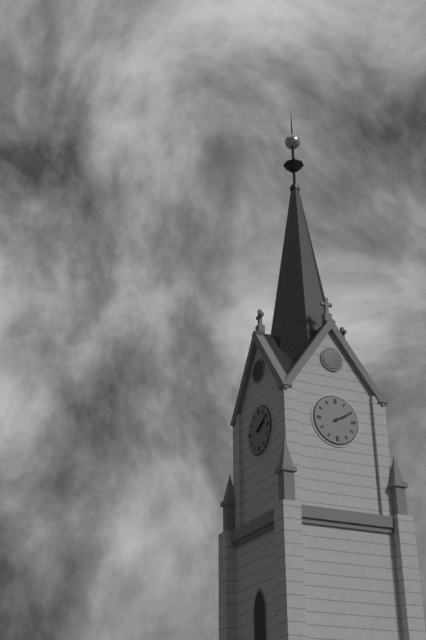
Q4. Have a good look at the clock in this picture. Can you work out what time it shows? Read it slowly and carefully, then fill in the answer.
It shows 2:10
